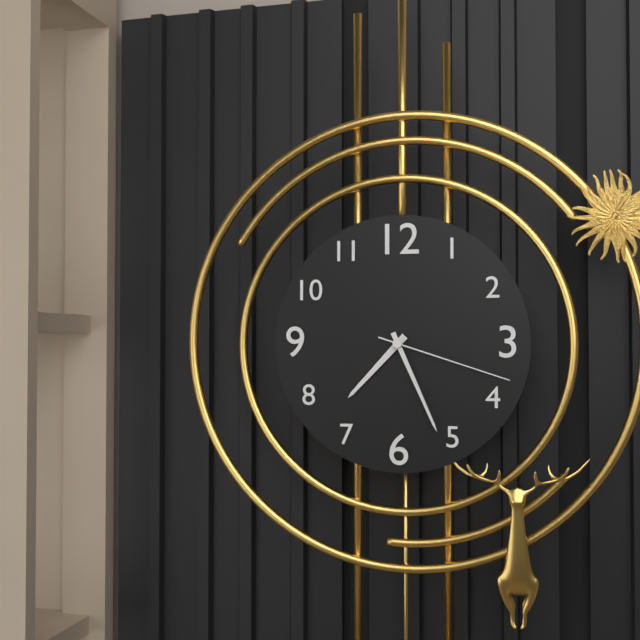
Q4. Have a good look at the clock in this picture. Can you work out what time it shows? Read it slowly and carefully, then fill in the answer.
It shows 7:26:18
